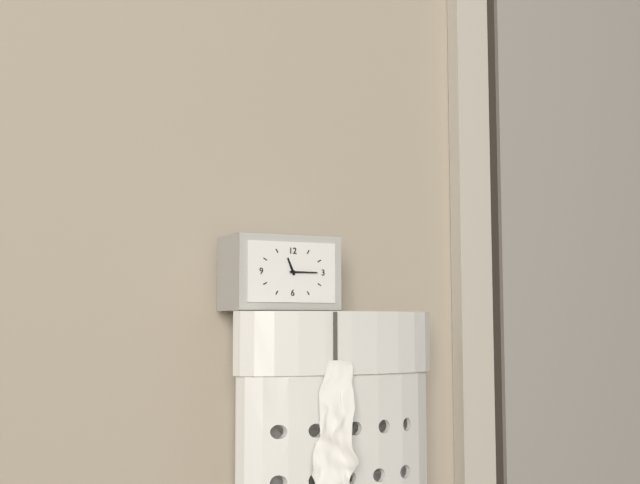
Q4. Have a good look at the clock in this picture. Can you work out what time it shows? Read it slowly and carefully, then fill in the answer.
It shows 11:15
